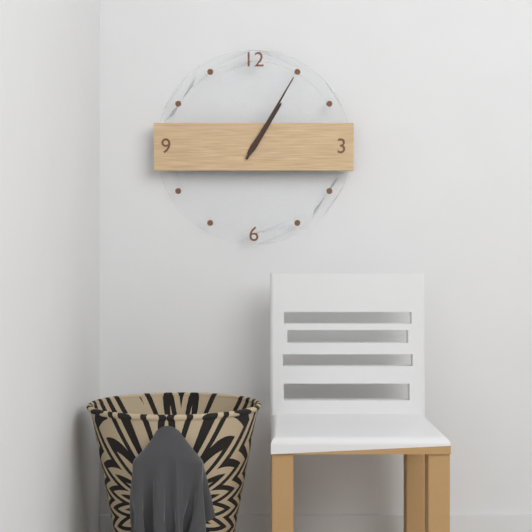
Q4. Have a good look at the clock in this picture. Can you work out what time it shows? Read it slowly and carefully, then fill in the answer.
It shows 1:05
